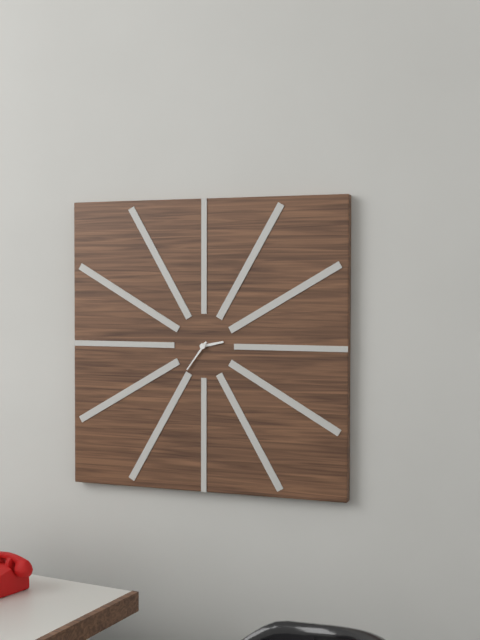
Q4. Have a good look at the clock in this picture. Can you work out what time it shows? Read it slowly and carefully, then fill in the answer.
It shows 2:36
